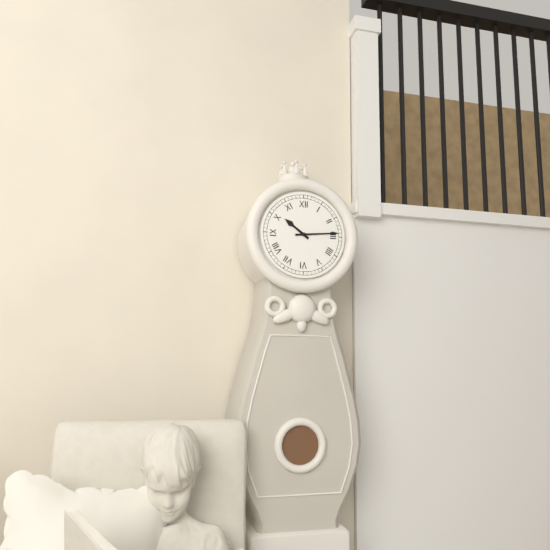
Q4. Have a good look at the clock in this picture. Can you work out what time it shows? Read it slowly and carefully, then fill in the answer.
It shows 10:14
